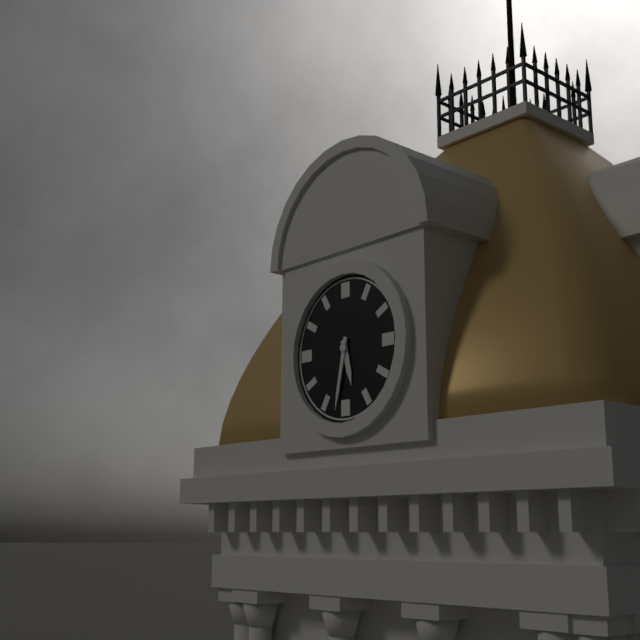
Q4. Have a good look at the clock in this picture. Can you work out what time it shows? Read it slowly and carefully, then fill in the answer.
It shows 5:32
